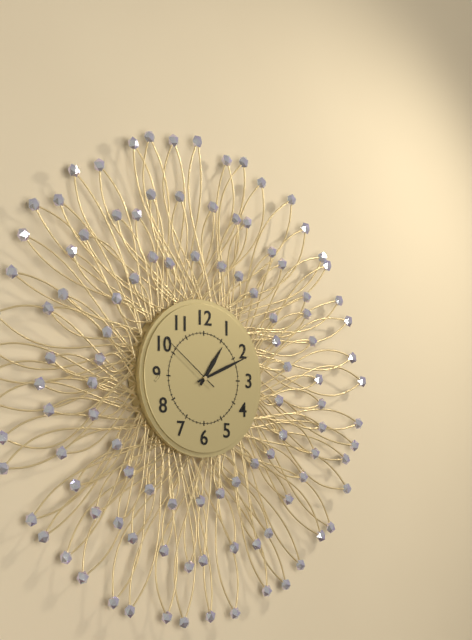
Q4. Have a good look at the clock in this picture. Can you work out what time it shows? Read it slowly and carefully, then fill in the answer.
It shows 1:11:51
